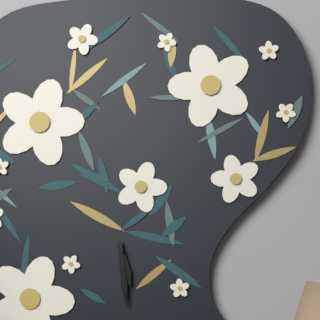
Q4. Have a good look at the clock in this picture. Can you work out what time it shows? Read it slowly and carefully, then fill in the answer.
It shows 5:29
